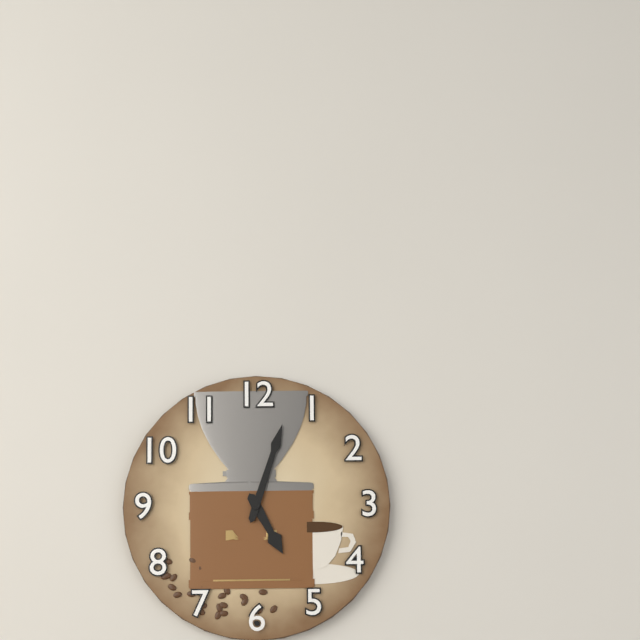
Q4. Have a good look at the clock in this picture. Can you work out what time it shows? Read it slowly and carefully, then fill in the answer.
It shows 5:03
